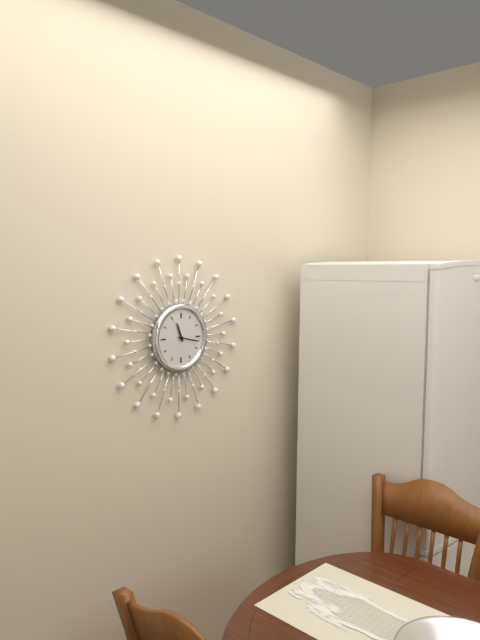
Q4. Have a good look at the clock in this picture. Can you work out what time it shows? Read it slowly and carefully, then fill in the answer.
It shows 11:17
